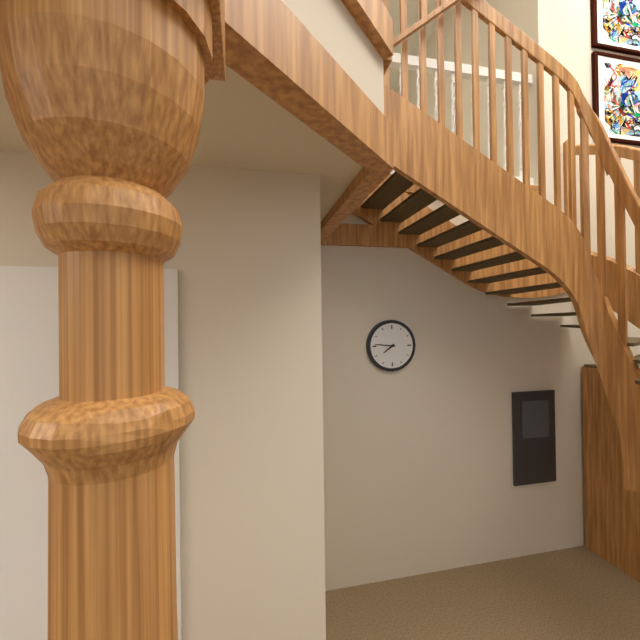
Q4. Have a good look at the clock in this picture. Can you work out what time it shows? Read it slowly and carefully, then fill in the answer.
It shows 7:46
